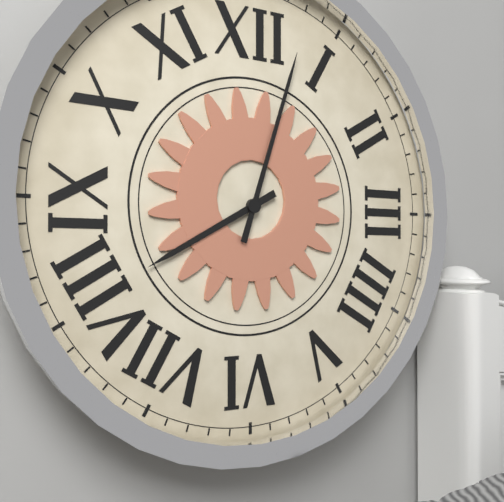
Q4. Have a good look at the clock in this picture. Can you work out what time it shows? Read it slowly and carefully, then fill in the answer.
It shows 8:03
